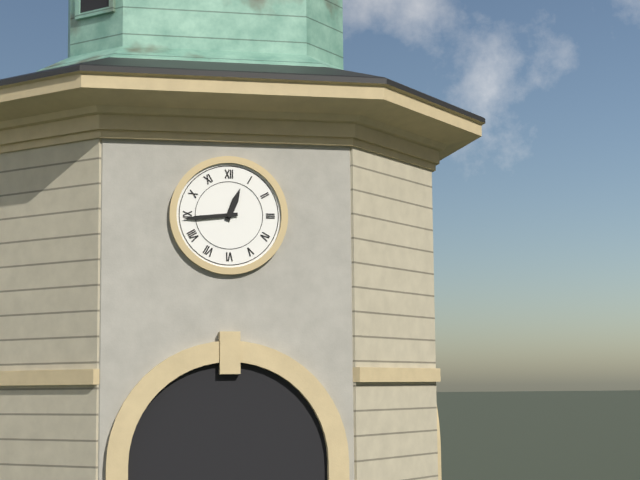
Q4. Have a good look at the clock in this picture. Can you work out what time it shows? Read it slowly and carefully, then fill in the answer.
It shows 12:44
